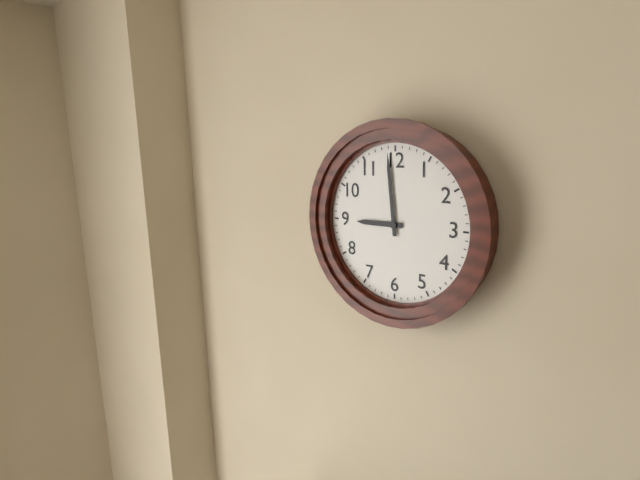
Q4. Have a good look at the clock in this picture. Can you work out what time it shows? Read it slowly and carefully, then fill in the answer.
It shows 8:59
